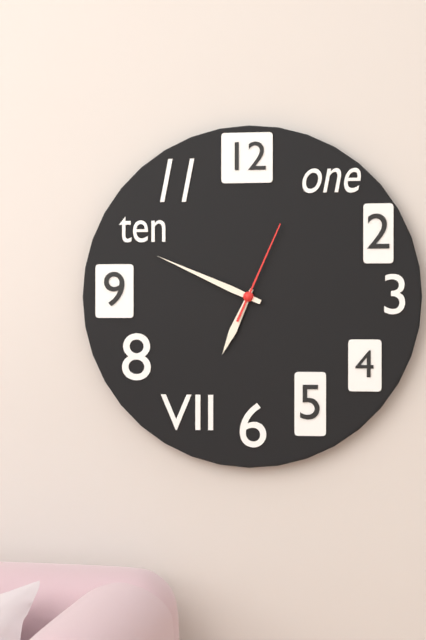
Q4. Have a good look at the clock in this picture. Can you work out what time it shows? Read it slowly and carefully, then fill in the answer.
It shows 6:49:04
